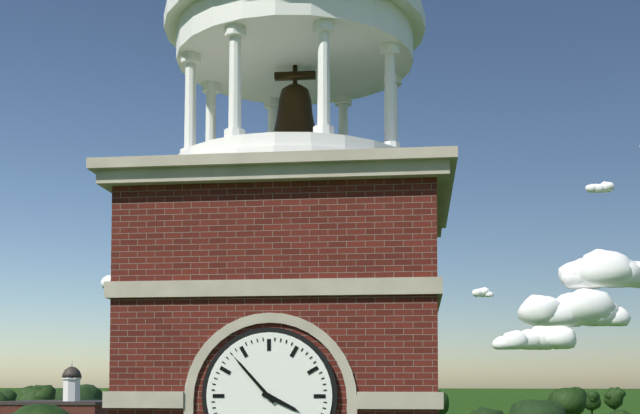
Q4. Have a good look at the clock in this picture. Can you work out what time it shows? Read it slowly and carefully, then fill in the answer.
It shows 3:53
